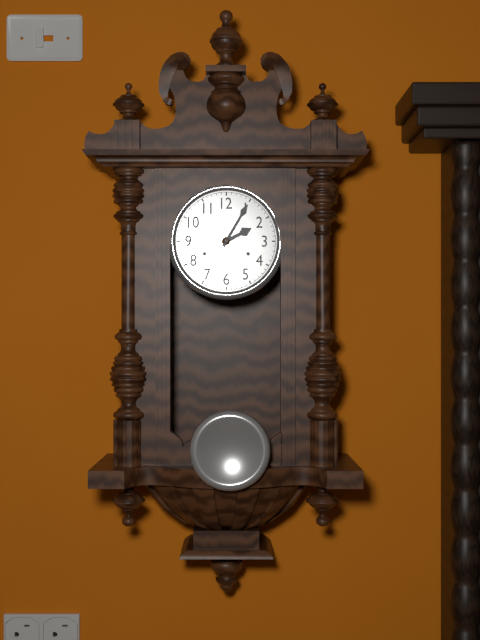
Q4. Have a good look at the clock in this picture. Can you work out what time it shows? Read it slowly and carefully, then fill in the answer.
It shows 2:05
